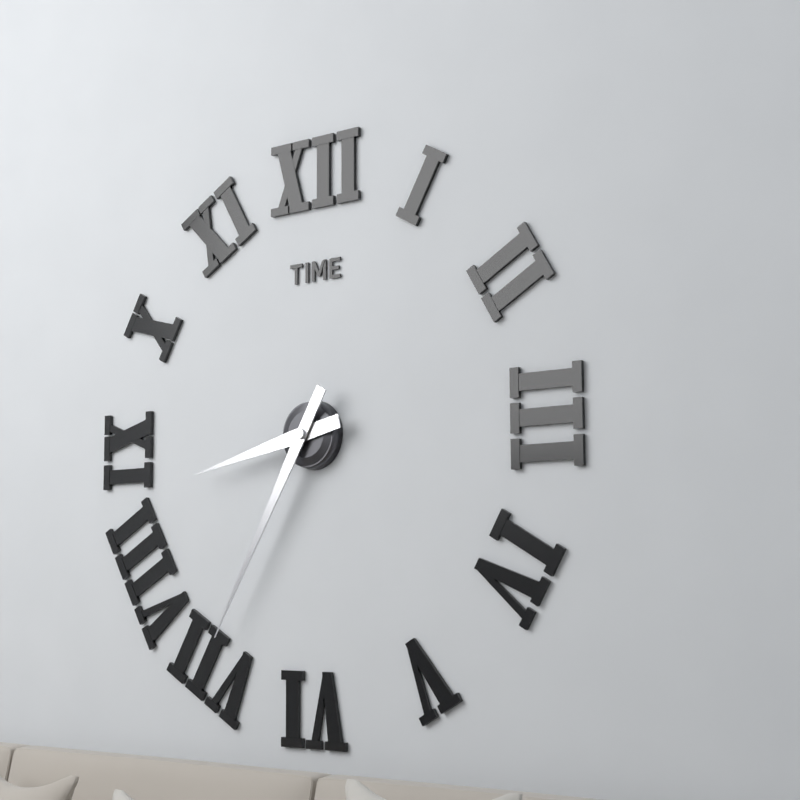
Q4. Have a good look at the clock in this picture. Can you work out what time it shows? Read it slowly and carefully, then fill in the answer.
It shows 8:35
